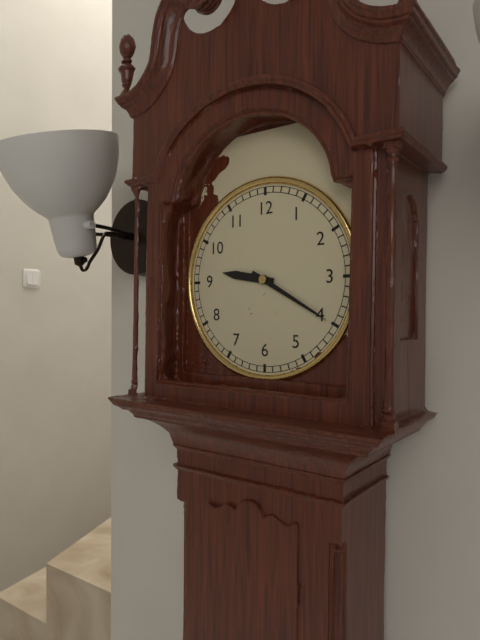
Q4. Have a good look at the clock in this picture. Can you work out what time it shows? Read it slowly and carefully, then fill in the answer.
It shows 9:20
